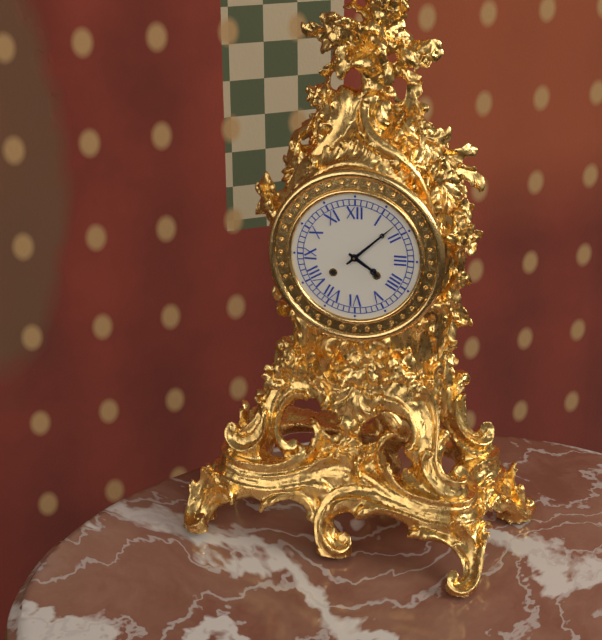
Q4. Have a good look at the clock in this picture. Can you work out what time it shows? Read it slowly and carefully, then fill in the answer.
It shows 4:08
